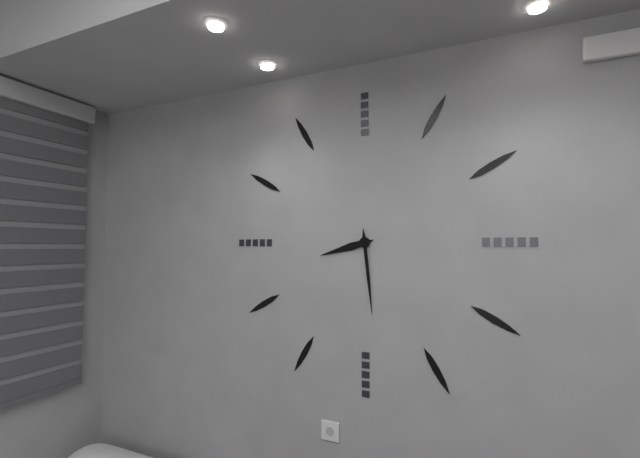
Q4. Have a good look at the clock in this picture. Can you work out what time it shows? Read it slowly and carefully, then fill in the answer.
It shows 8:29
